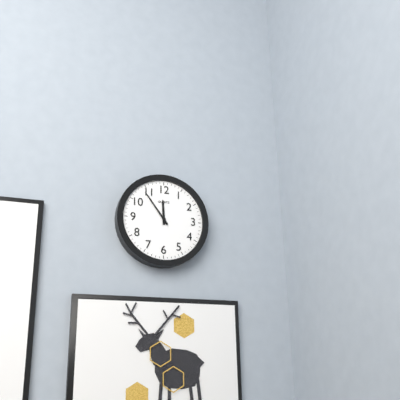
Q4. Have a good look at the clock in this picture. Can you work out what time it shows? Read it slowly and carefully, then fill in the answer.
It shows 11:54
